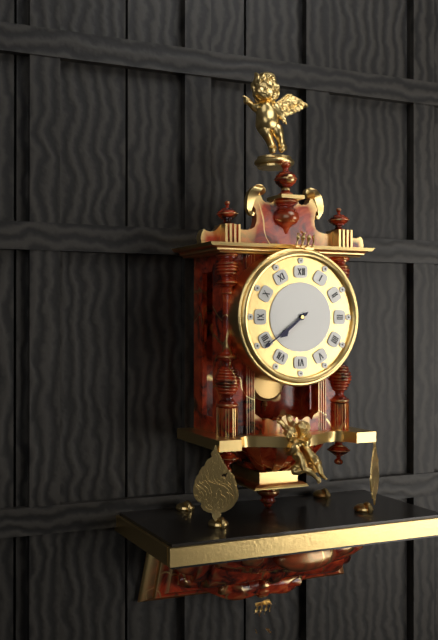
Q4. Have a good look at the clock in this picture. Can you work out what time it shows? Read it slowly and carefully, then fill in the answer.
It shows 7:39
